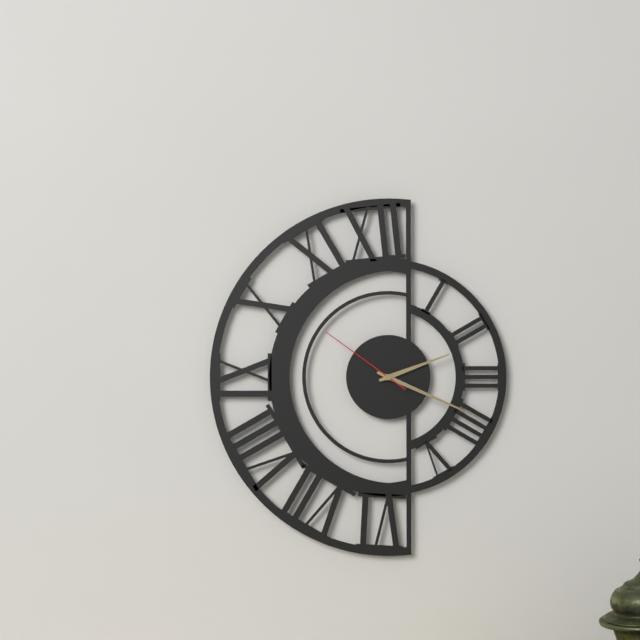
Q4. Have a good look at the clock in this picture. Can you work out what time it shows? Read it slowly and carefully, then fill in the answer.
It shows 2:19:51
